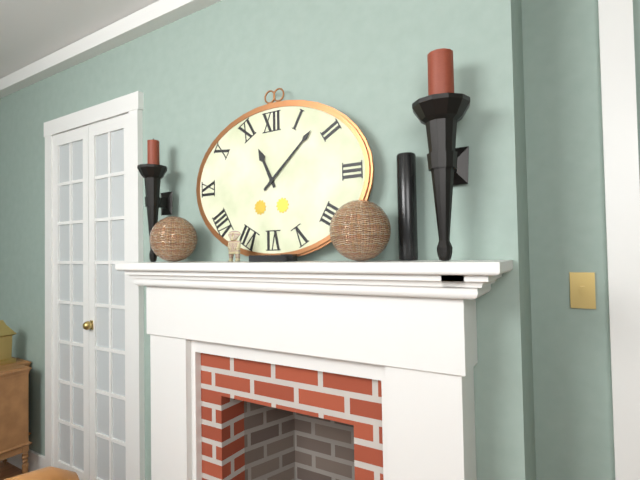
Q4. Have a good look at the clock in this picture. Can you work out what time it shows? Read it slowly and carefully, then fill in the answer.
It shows 11:08
